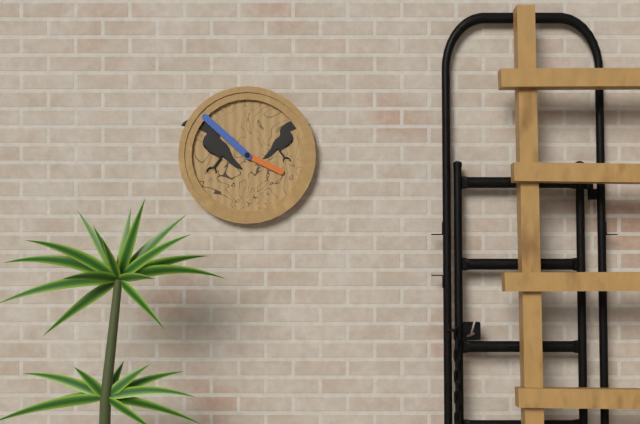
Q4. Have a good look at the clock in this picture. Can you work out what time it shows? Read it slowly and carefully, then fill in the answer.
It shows 3:52
